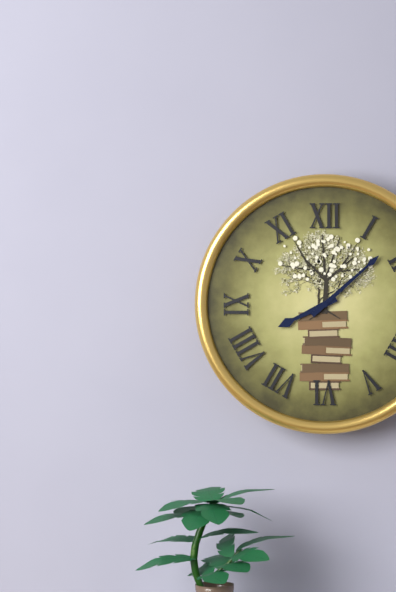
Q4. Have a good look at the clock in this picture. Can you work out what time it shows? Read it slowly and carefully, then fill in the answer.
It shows 8:08
